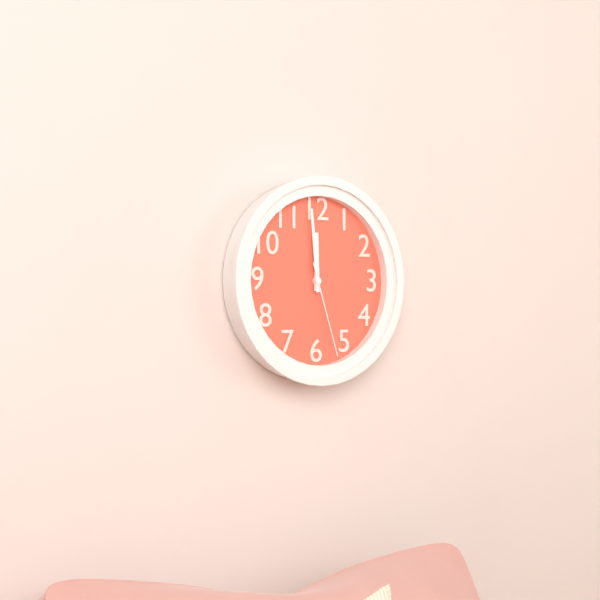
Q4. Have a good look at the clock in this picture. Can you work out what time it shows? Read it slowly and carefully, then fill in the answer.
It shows 11:59:27
